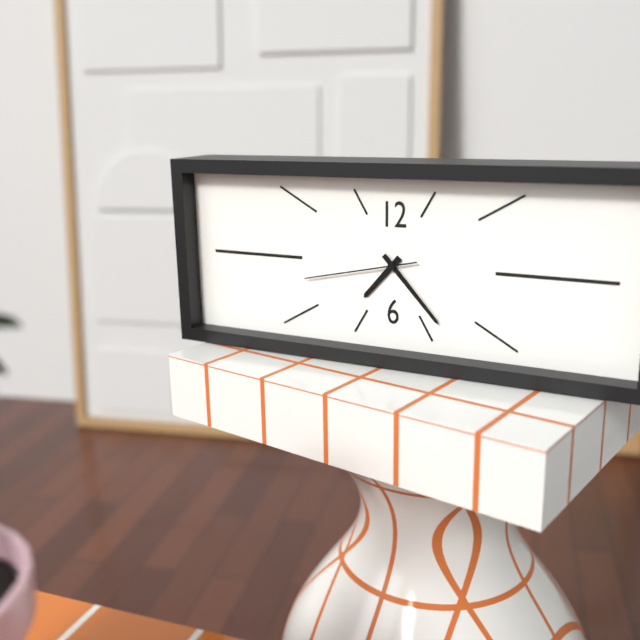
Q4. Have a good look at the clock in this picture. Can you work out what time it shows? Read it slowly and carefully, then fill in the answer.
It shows 7:23:43
